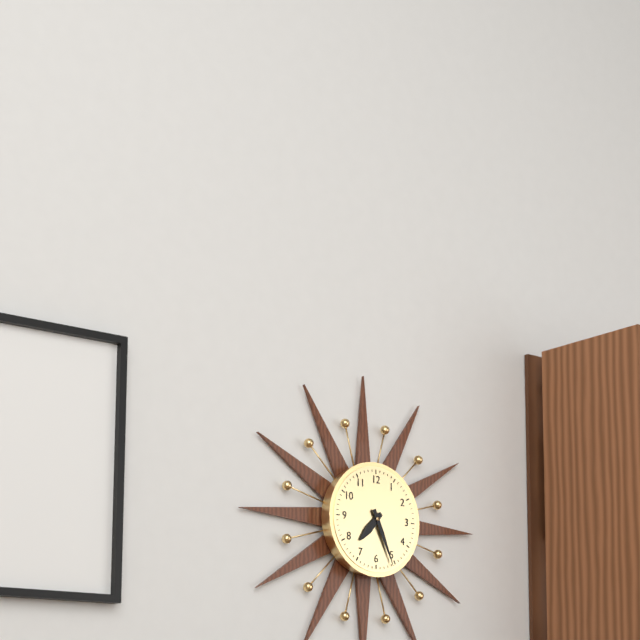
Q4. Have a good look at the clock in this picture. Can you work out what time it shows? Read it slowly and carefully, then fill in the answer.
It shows 7:26
